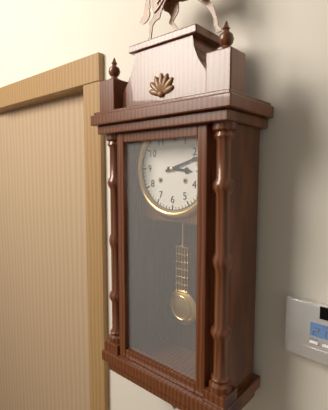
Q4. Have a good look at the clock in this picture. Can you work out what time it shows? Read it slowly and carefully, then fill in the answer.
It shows 3:12
